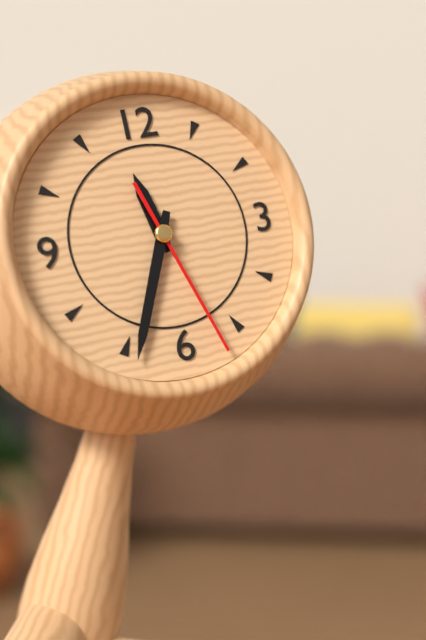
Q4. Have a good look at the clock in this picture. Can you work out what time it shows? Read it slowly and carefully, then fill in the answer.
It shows 11:34:27
